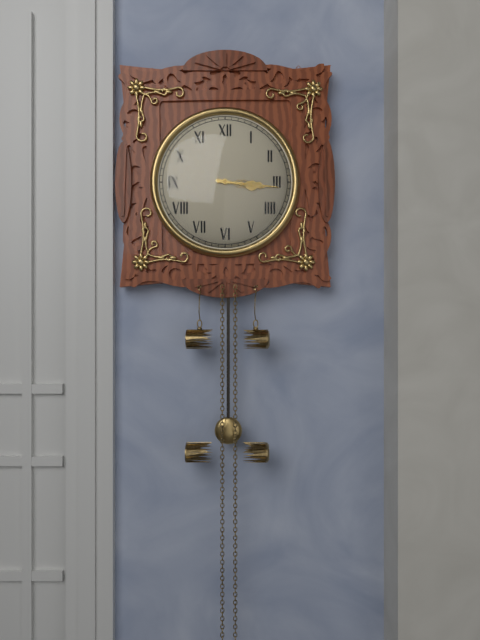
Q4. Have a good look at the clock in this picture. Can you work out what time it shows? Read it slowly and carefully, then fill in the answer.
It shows 3:16
